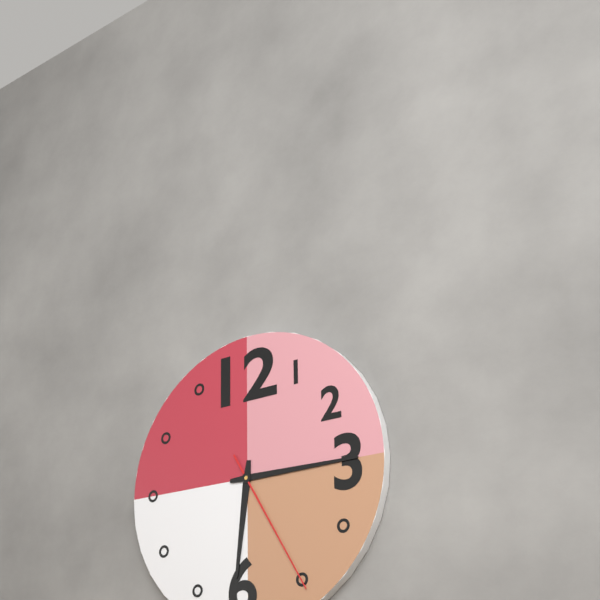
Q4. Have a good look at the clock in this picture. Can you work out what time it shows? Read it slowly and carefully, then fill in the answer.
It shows 6:15:25
